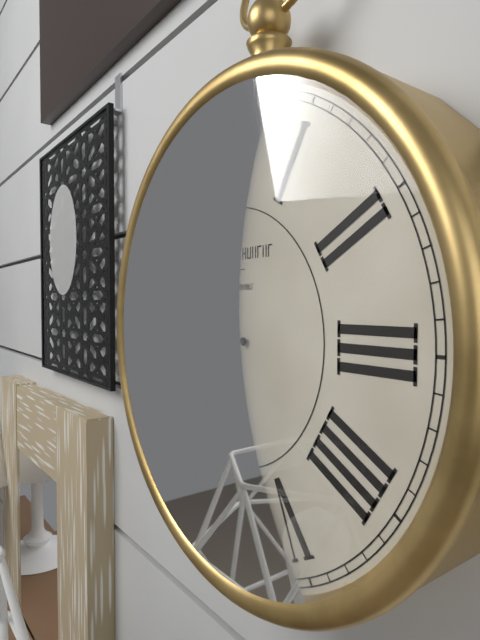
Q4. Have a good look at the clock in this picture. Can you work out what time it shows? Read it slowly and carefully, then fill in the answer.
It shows 7:46
